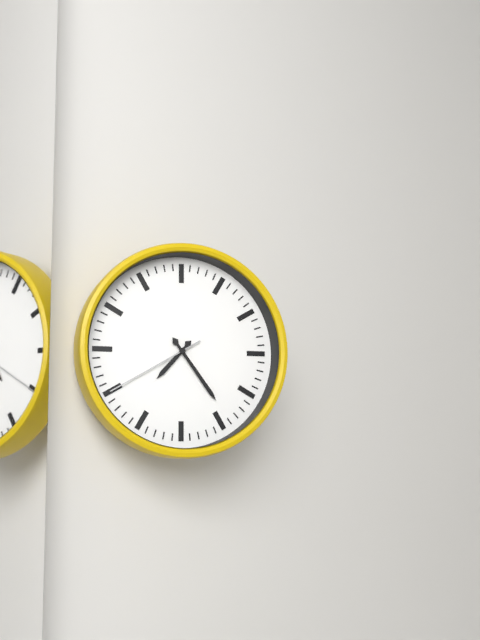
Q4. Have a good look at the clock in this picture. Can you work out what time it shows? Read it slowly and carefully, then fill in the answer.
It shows 7:24:40
